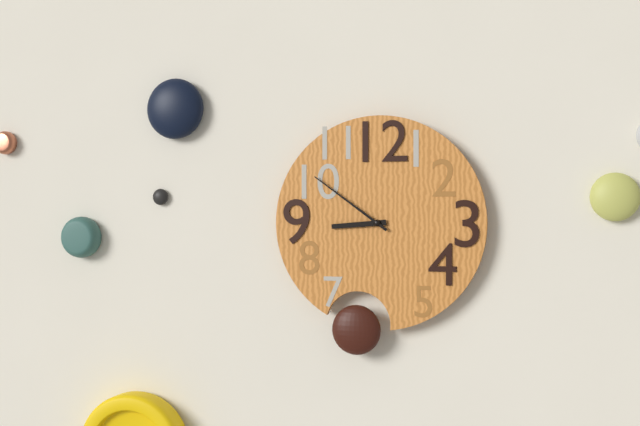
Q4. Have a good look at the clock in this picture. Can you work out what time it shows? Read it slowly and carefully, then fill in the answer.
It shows 8:51
